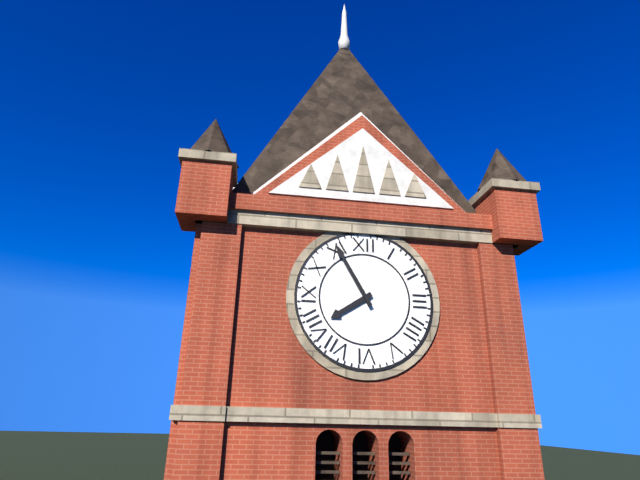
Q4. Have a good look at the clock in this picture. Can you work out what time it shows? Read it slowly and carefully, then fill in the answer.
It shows 7:55
